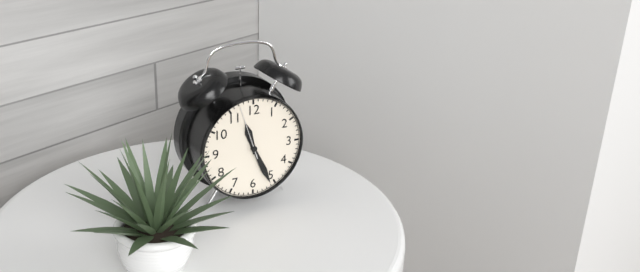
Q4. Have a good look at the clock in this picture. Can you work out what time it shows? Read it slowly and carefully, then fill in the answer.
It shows 11:26
